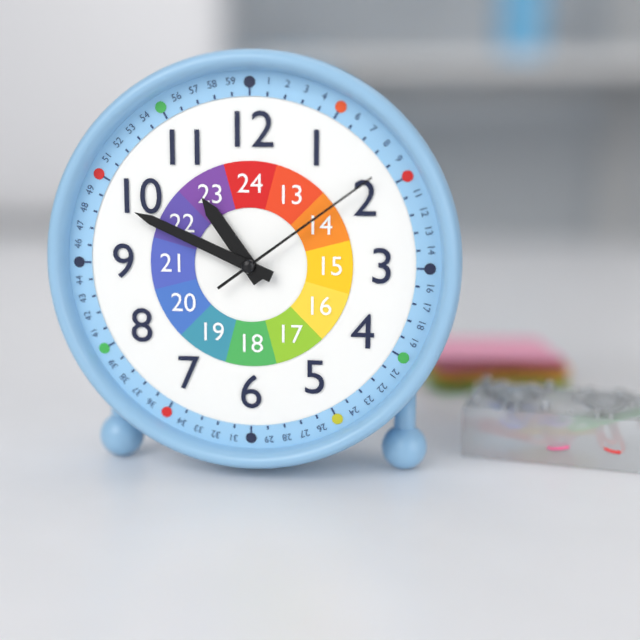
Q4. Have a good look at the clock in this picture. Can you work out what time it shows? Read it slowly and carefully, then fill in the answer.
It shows 10:49:09
